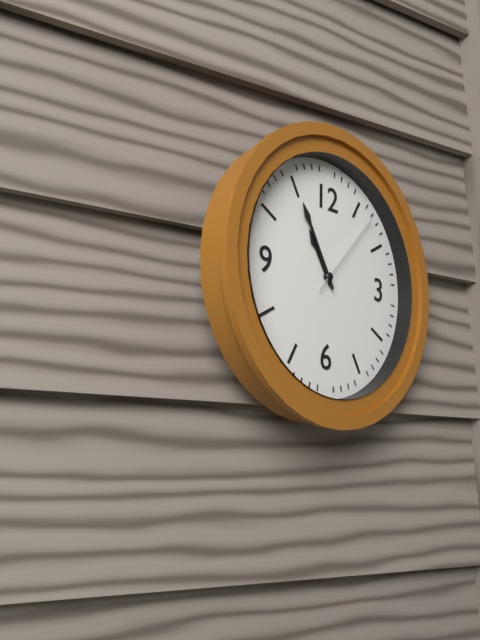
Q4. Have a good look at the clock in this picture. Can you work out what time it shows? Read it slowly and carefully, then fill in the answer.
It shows 10:55:07
